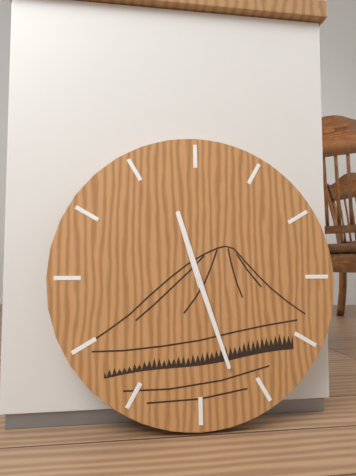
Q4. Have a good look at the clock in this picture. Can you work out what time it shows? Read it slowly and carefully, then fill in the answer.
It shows 11:27
